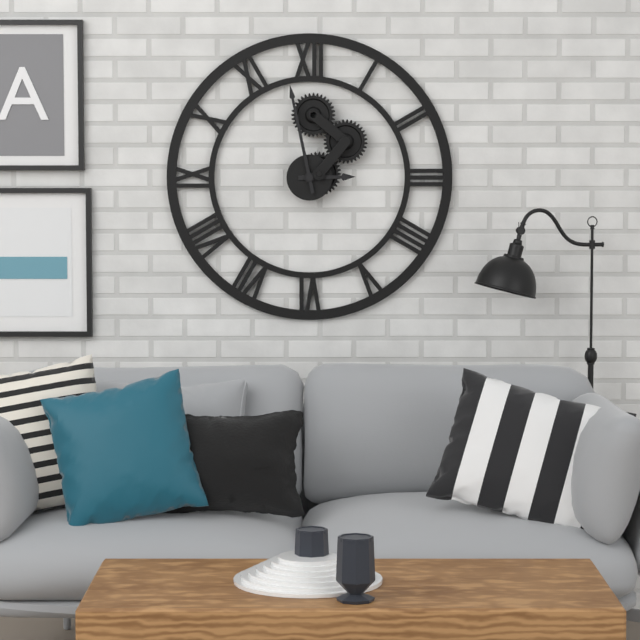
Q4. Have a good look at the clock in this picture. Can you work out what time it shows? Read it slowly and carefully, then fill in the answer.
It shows 2:58
